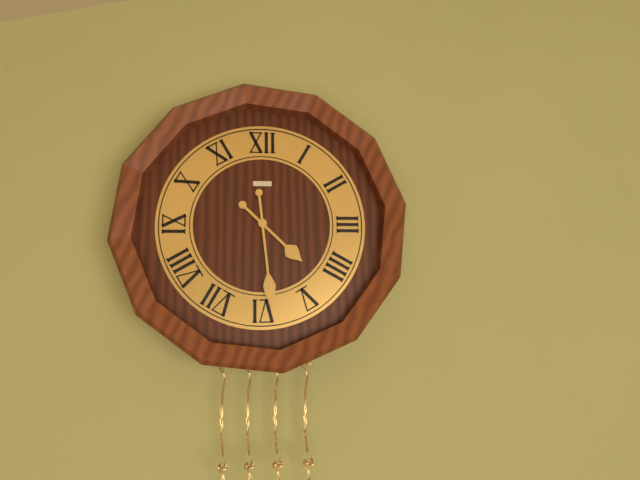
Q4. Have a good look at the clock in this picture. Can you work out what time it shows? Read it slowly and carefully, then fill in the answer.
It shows 4:29
